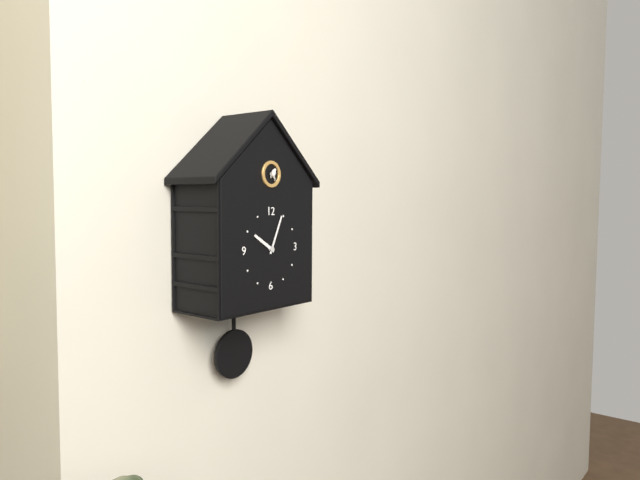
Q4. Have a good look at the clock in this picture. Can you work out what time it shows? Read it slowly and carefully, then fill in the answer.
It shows 10:04
